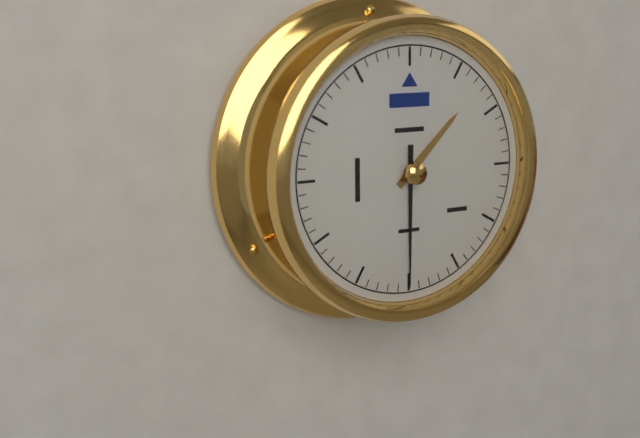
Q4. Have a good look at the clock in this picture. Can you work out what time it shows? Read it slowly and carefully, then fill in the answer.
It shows 1:30
